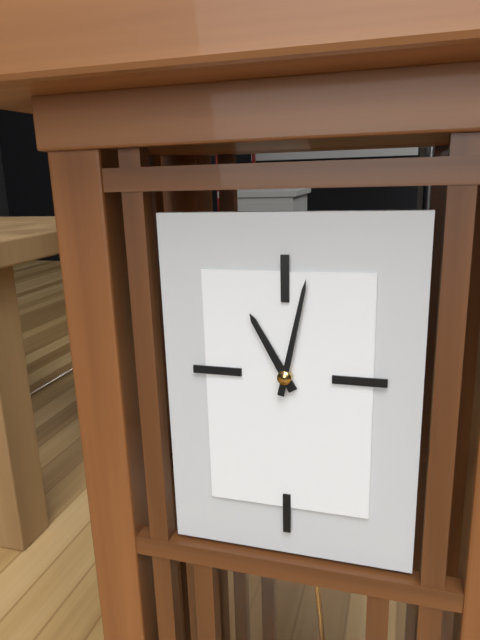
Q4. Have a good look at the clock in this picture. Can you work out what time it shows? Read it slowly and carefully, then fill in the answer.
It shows 11:02
